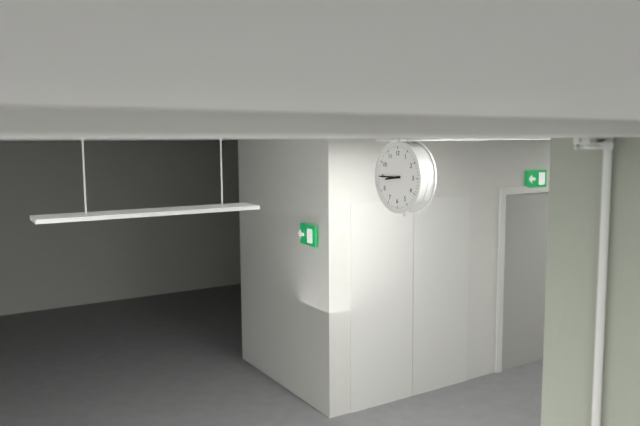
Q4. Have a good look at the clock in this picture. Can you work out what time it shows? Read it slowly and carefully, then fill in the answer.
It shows 8:45
